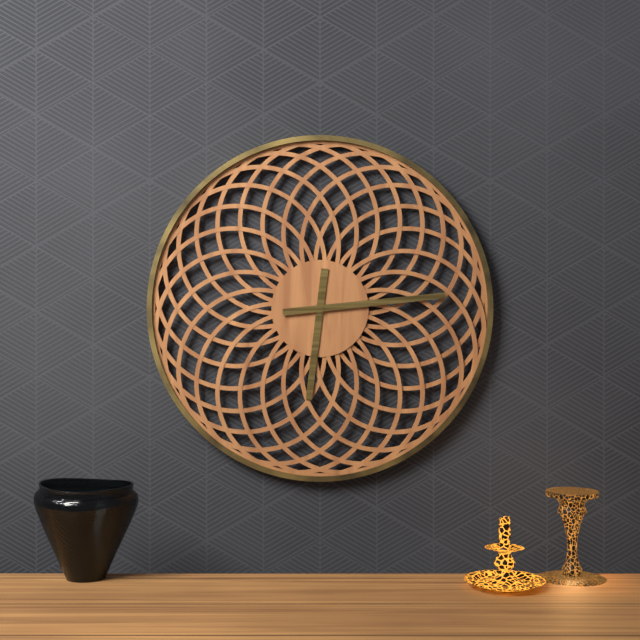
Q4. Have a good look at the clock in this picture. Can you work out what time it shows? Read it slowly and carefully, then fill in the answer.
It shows 6:14
